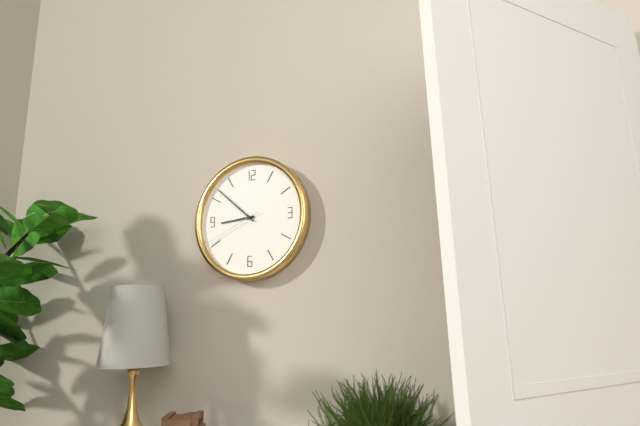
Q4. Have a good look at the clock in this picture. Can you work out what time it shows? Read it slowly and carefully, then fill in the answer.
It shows 8:52:41
